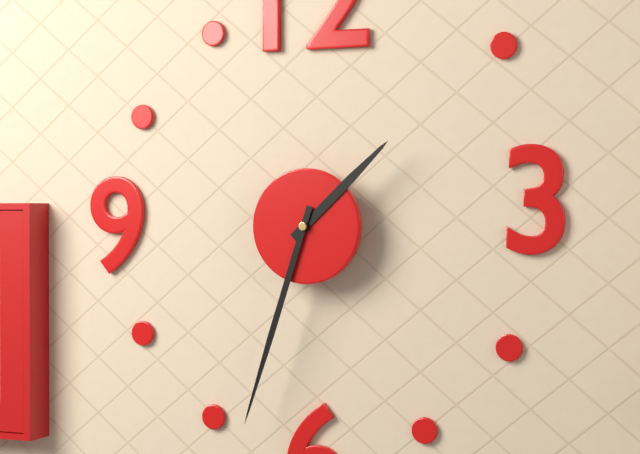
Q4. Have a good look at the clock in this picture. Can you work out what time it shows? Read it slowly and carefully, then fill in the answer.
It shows 1:33
